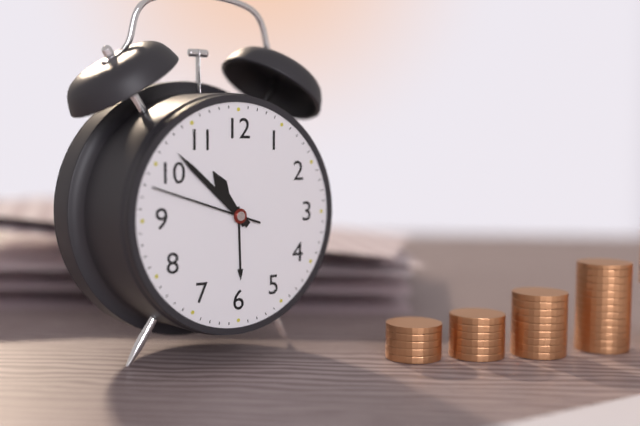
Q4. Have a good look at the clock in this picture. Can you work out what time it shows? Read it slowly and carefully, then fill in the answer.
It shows 10:52:48
